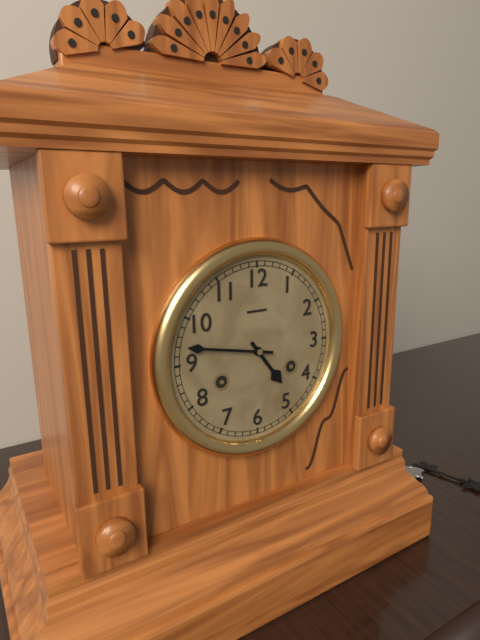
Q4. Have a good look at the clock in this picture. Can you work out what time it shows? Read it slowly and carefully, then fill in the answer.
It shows 4:47
